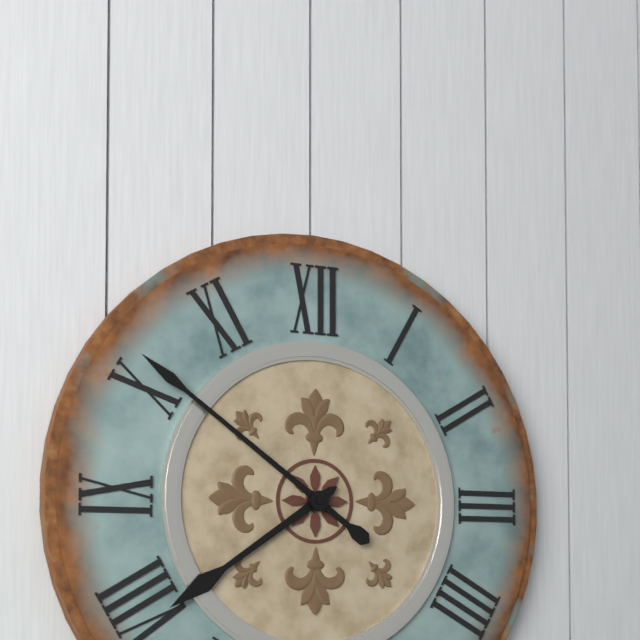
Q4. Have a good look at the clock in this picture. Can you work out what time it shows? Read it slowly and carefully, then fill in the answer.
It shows 7:51
